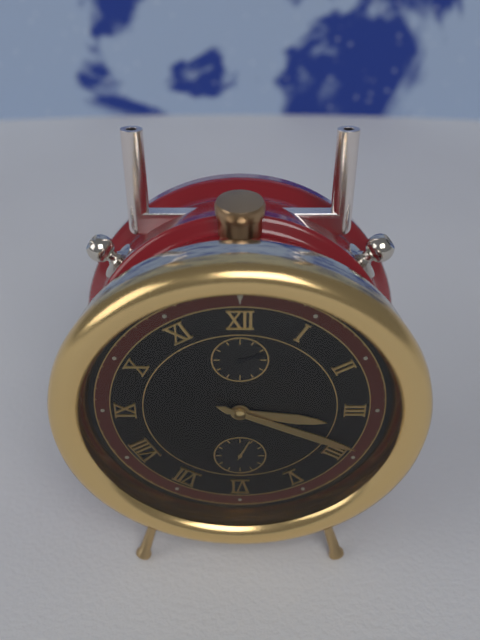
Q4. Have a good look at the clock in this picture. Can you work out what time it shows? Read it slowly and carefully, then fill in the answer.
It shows 3:19
